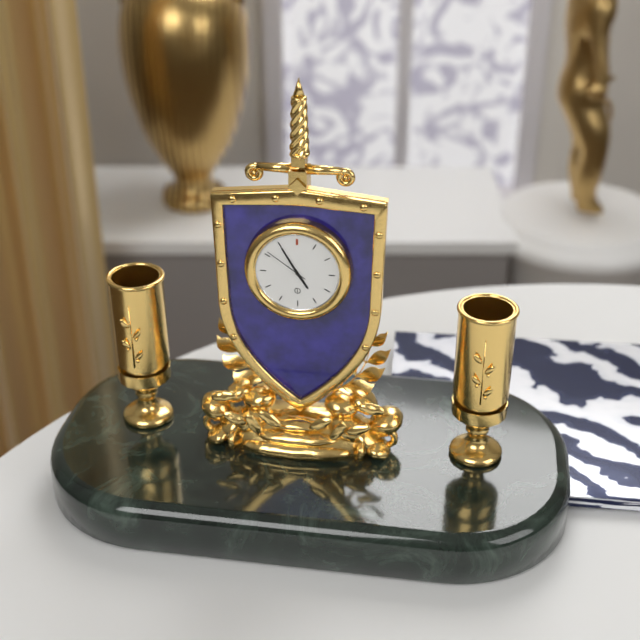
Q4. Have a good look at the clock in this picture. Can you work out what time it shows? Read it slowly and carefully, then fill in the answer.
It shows 4:55
